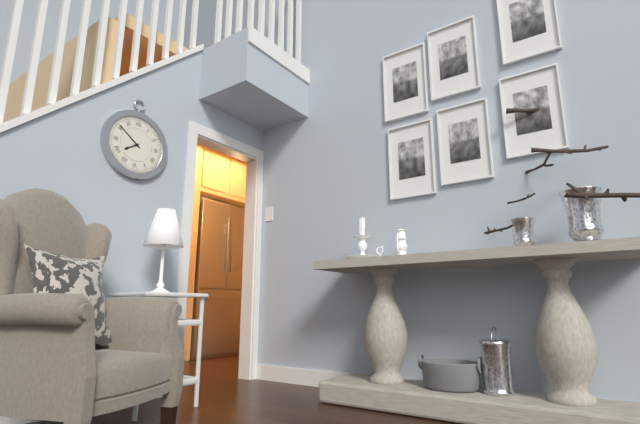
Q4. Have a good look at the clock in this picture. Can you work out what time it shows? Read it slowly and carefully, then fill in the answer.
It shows 7:51
